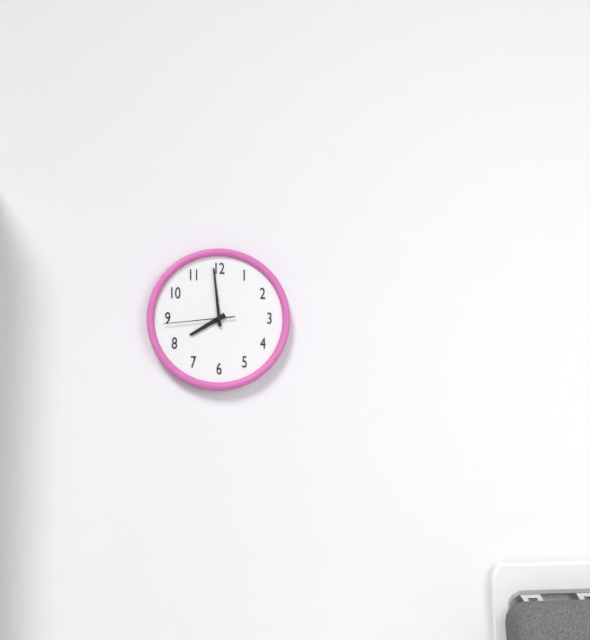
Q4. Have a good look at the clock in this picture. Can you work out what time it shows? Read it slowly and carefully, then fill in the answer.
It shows 7:59:44
